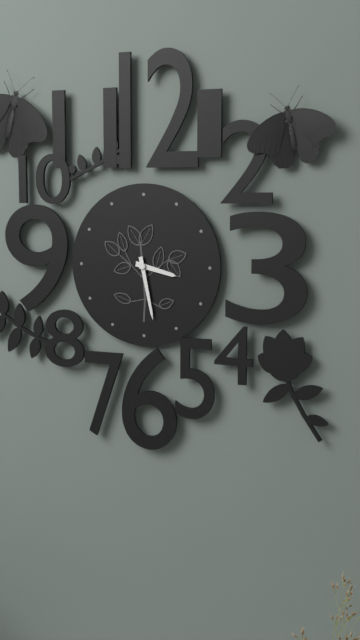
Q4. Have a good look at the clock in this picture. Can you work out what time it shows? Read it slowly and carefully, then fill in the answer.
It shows 3:28
